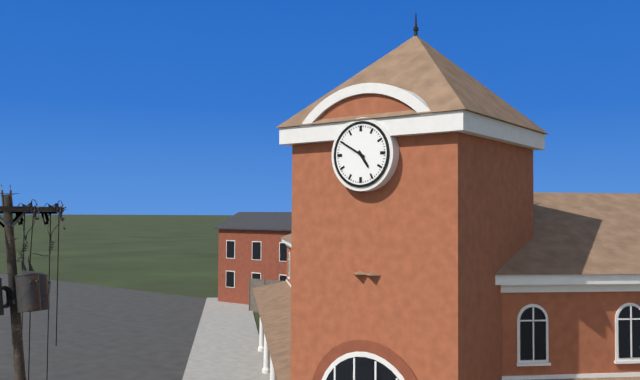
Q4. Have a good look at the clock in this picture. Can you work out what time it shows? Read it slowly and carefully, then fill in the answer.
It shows 4:50
